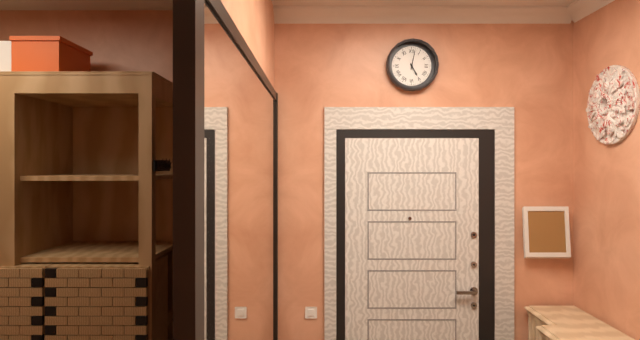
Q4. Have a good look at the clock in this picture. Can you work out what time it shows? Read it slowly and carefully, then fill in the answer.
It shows 5:02
